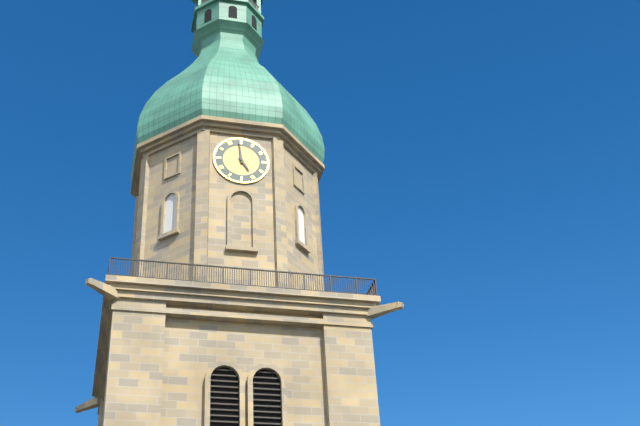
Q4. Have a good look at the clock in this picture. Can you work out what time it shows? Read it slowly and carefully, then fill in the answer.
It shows 4:59
